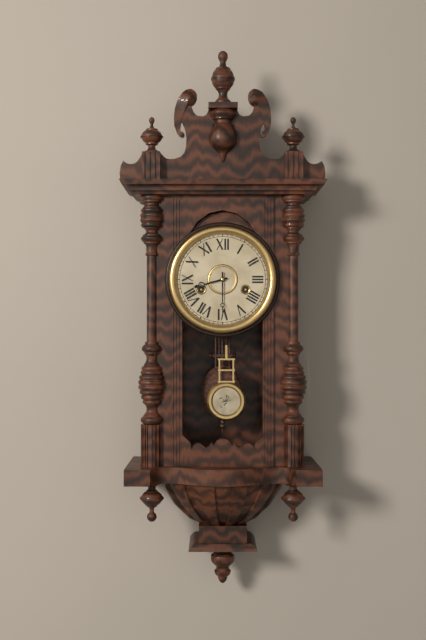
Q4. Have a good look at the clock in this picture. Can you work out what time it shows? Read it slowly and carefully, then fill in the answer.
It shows 8:30
